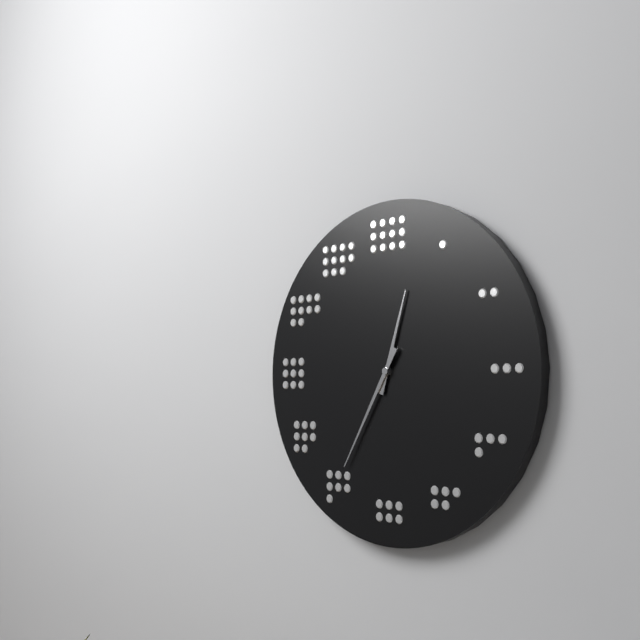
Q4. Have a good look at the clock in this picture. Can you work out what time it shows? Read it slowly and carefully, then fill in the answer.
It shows 12:35
